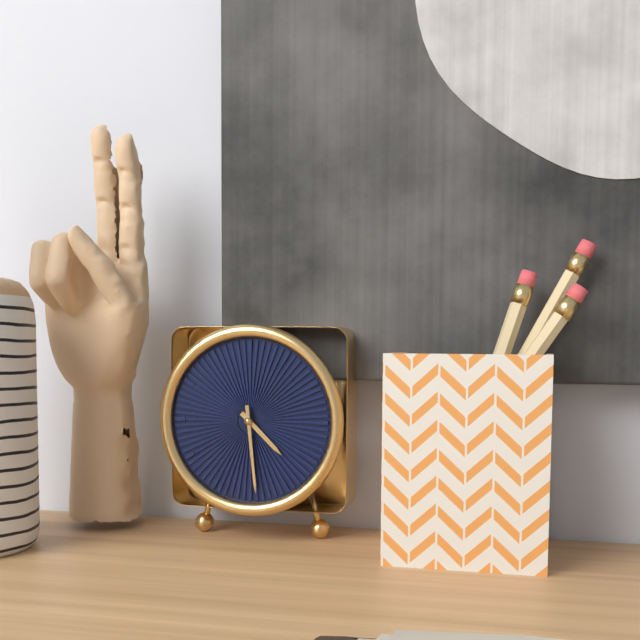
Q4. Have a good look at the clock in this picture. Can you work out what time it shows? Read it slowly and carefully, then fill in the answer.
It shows 4:29
